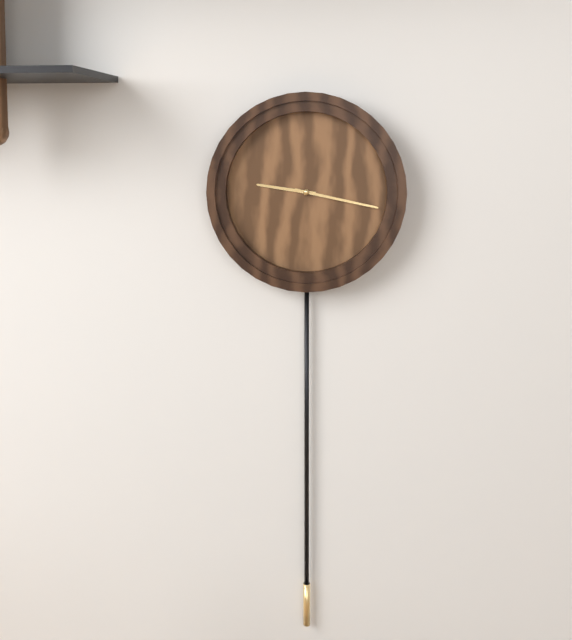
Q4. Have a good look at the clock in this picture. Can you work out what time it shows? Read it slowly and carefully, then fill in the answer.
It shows 9:17
